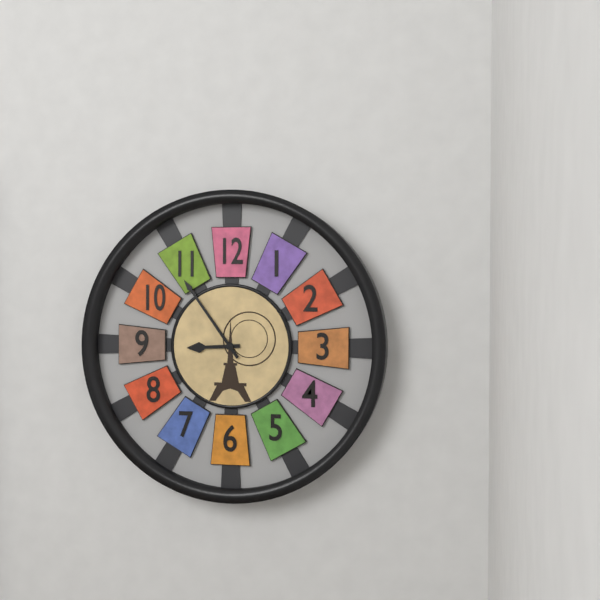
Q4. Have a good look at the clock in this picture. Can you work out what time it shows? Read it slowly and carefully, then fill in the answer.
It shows 8:54
